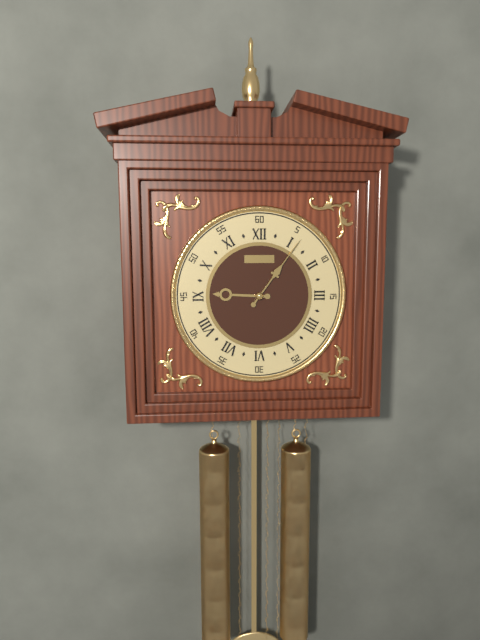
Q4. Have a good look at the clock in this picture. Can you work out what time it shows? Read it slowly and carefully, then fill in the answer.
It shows 9:06
